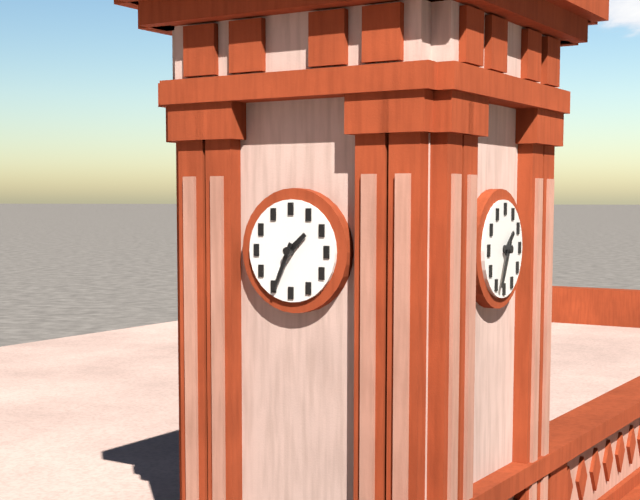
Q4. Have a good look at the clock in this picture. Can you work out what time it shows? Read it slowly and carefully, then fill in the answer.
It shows 1:34
